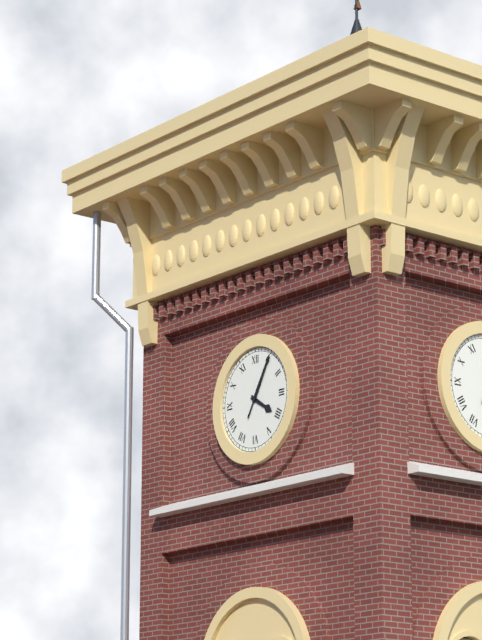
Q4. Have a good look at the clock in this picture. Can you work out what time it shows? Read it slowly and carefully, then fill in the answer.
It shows 4:05
